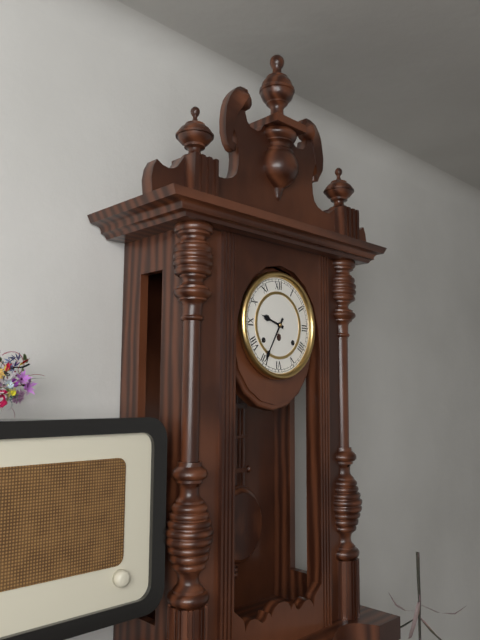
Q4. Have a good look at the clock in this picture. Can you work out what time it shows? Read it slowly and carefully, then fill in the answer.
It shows 9:35
